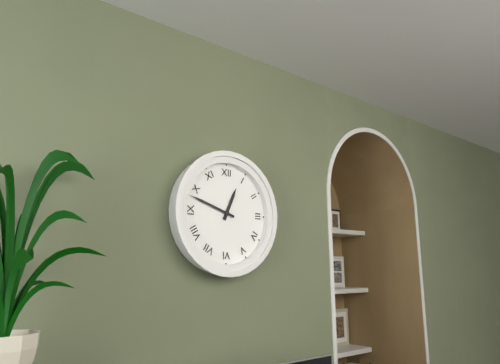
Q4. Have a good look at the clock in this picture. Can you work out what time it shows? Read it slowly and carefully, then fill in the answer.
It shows 12:48
